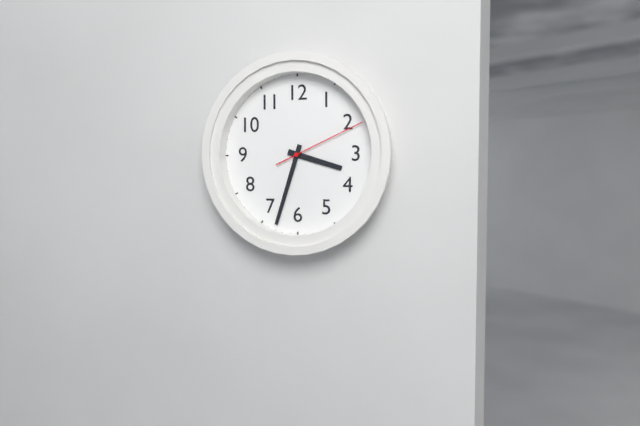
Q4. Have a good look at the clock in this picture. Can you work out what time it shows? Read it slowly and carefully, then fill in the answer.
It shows 3:33:11
